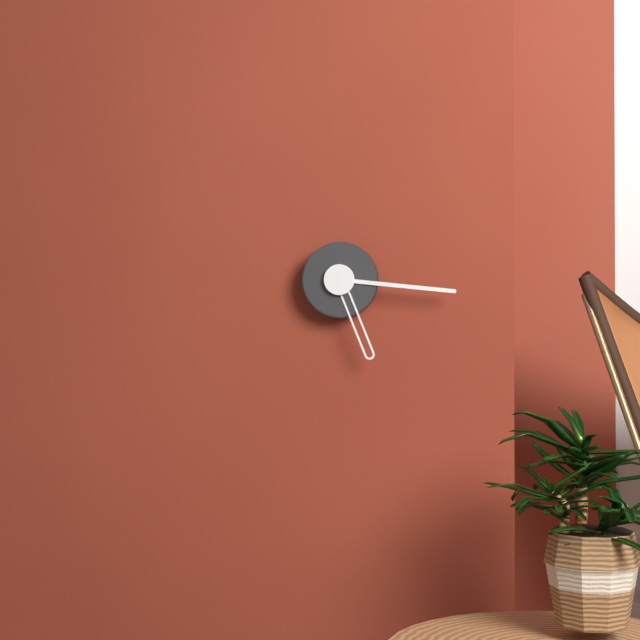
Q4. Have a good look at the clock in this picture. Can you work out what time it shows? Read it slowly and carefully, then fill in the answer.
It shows 5:16
